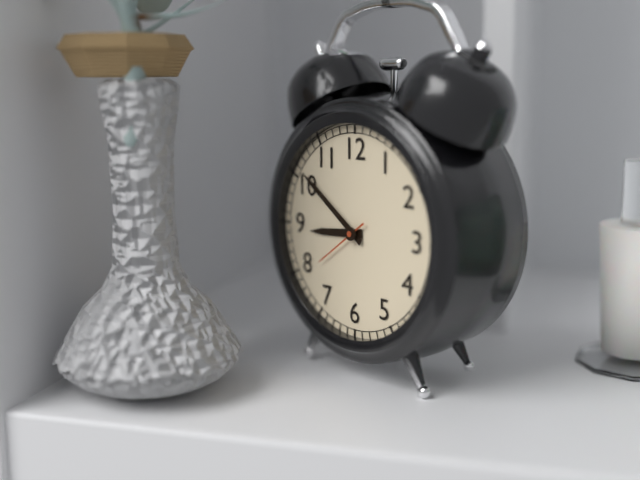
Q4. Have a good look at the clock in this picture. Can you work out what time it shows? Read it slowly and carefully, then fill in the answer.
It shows 8:51:39
